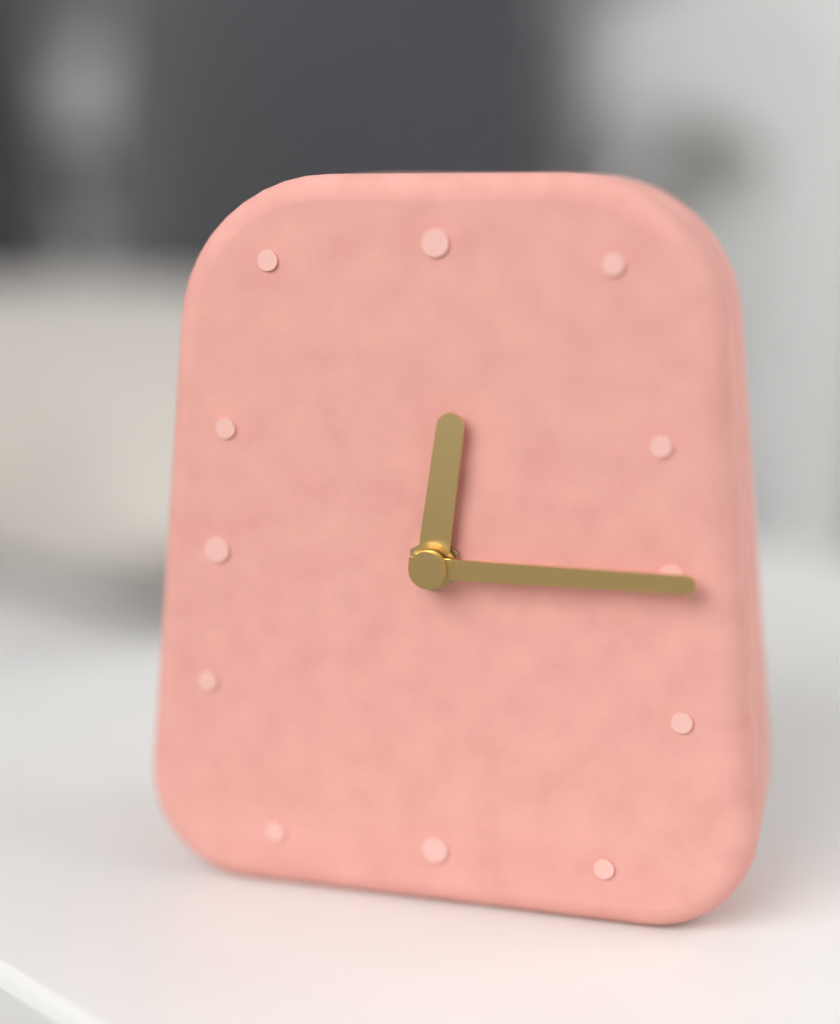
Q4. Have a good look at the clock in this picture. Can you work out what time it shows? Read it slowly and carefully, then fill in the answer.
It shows 12:15
